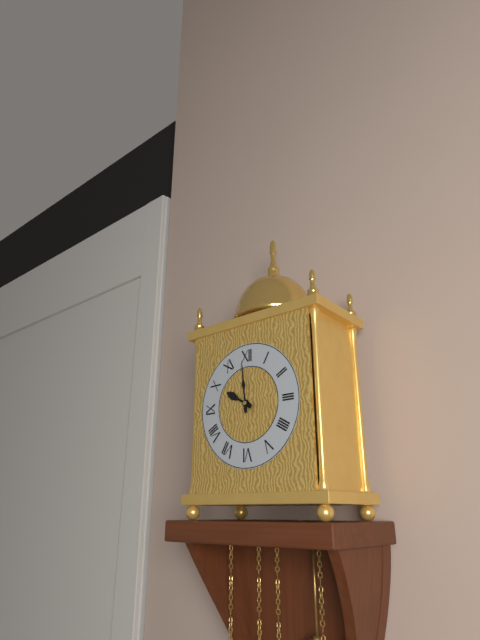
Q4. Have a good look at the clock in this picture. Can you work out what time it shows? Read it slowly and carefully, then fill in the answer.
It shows 9:59
